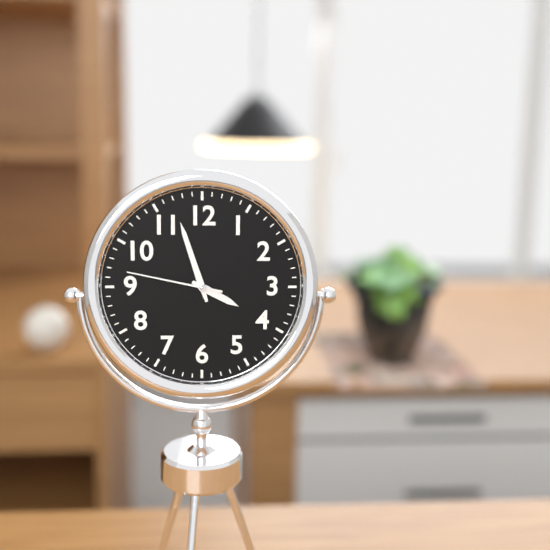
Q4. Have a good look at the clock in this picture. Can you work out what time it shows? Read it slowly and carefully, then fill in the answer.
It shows 3:57:47
